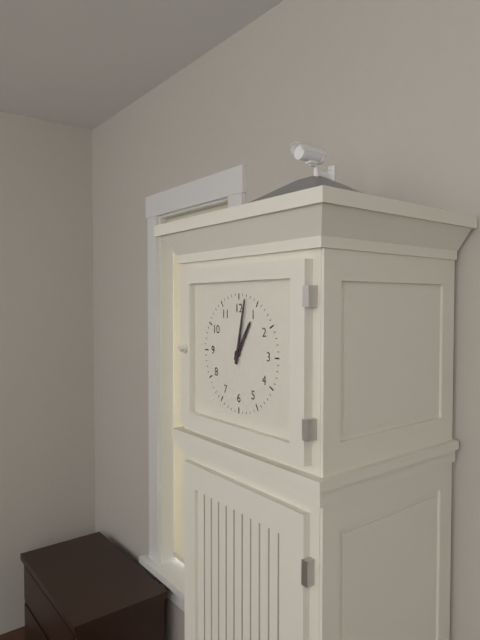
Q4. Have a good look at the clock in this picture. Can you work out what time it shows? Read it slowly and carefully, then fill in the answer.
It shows 1:02
